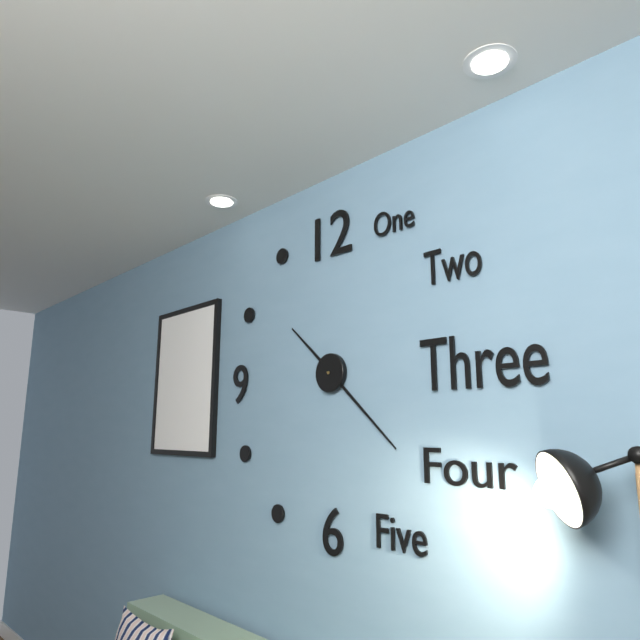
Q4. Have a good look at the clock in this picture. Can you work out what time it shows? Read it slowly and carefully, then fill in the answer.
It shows 10:22
